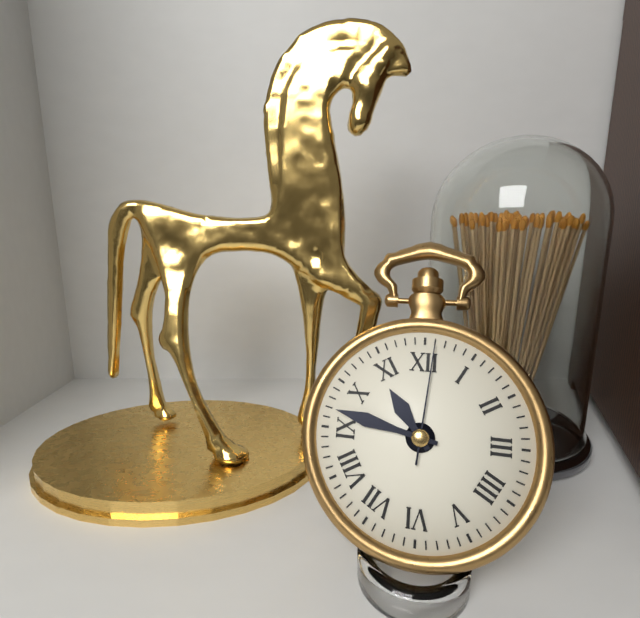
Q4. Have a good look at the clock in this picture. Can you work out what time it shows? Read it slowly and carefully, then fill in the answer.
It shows 10:47:01
